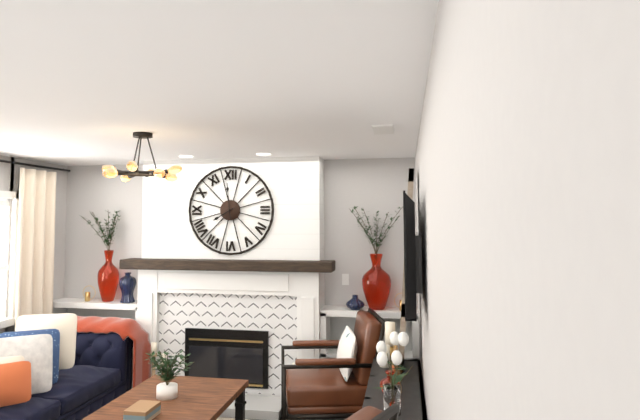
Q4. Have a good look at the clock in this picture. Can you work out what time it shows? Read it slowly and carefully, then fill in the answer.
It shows 7:59
